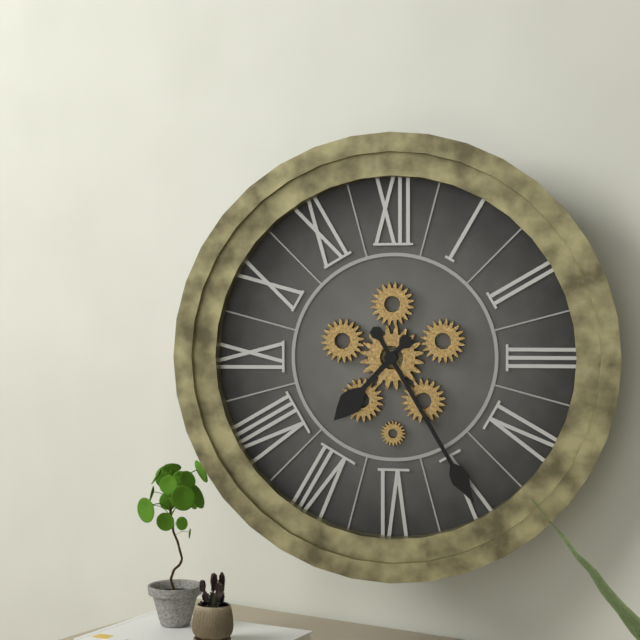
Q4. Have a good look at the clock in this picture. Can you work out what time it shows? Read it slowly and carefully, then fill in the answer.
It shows 7:25
